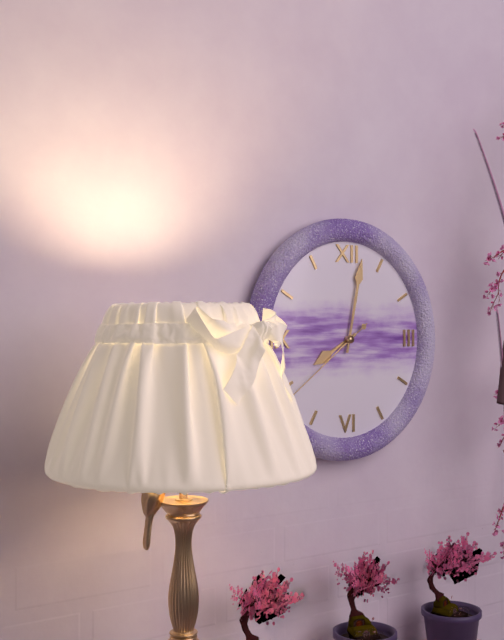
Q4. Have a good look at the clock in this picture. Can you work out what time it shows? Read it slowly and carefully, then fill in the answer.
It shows 8:02:39
